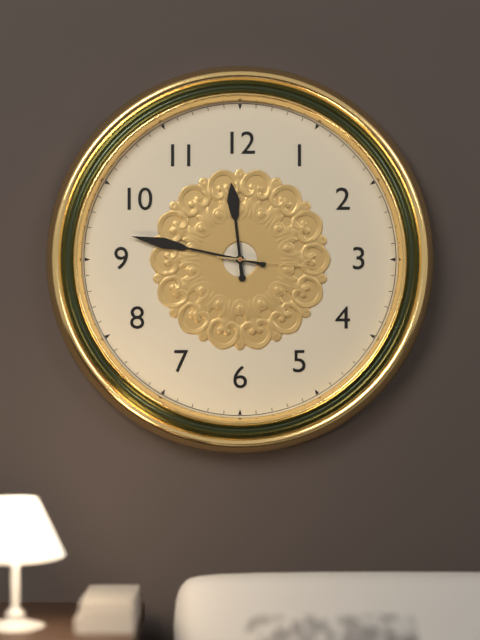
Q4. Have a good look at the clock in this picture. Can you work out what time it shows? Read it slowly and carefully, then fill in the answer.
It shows 11:47:16
